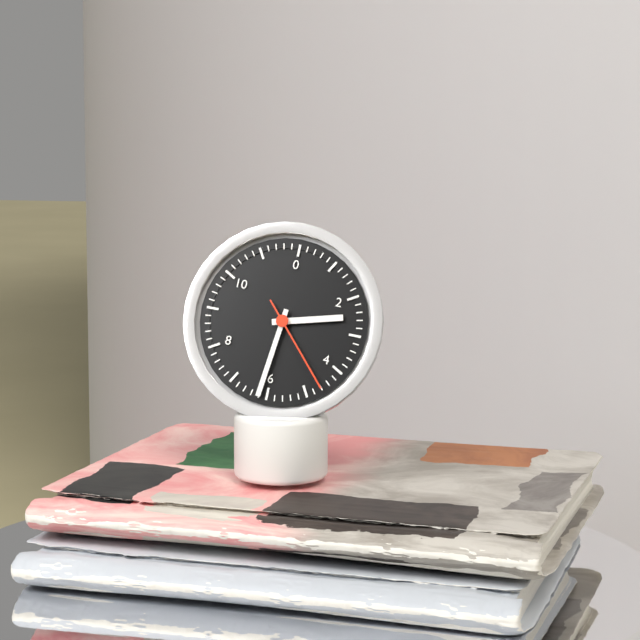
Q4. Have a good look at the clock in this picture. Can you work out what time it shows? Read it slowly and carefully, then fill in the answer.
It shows 2:31:23
